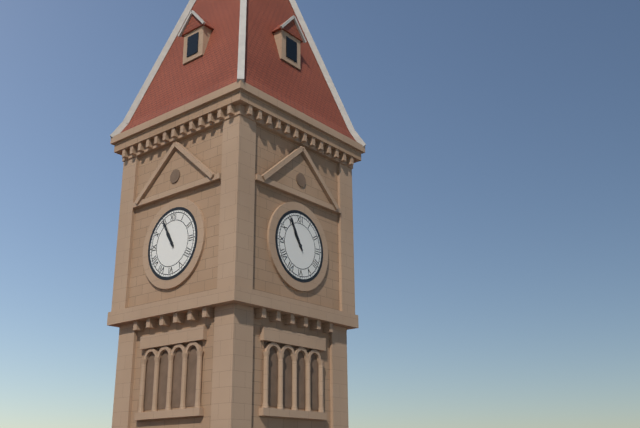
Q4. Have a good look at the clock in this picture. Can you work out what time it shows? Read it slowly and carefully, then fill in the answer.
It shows 10:55
